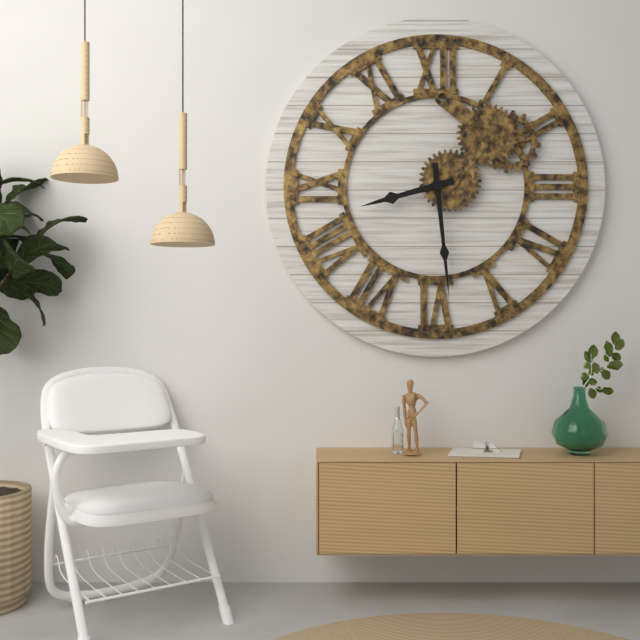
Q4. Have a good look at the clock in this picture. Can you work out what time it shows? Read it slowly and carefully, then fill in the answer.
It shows 8:29
